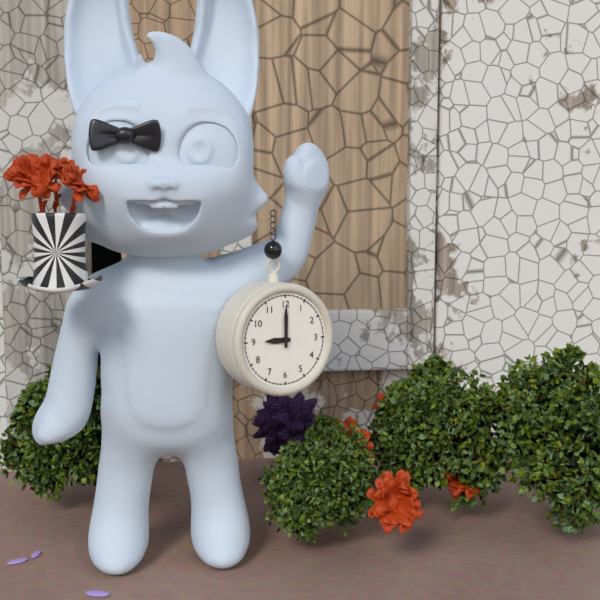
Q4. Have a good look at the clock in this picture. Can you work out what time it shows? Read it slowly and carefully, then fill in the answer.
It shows 9:00
